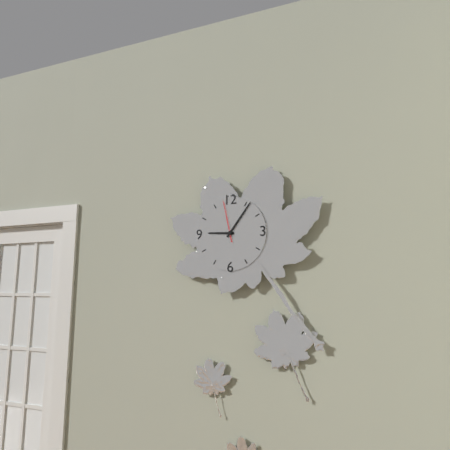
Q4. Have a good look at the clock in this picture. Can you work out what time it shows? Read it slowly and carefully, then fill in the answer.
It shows 9:06
